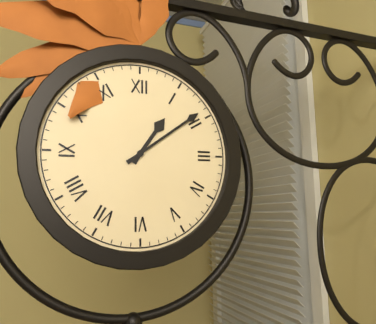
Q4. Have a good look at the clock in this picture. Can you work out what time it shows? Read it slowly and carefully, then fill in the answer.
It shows 1:09
